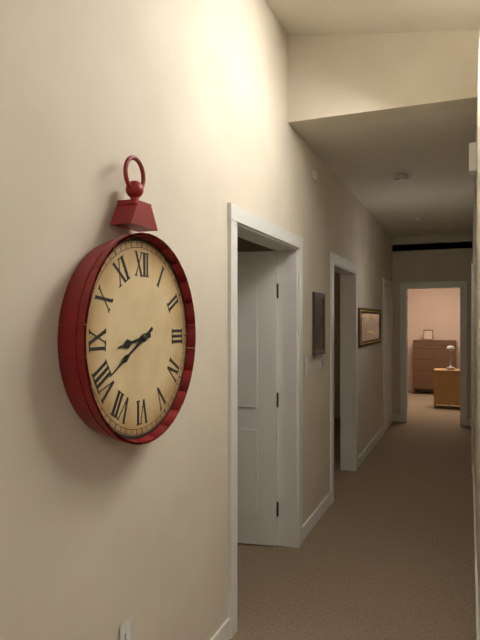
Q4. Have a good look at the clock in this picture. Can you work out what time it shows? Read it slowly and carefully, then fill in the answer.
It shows 8:40
